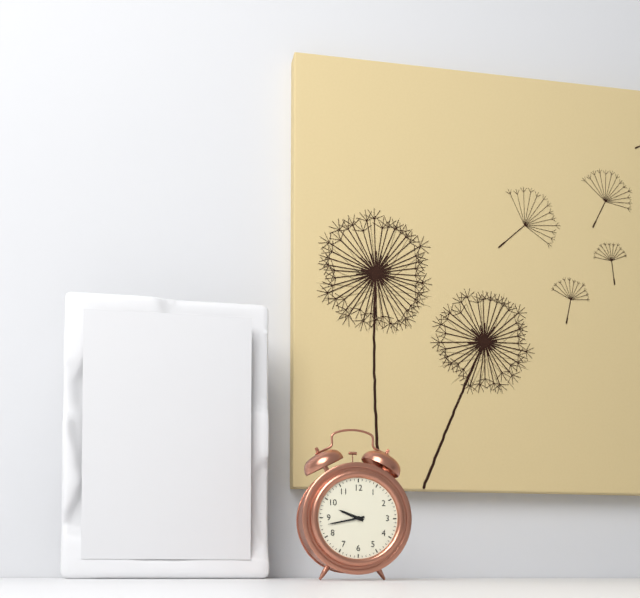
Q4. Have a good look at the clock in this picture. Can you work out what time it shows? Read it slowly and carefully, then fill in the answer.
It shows 9:43
